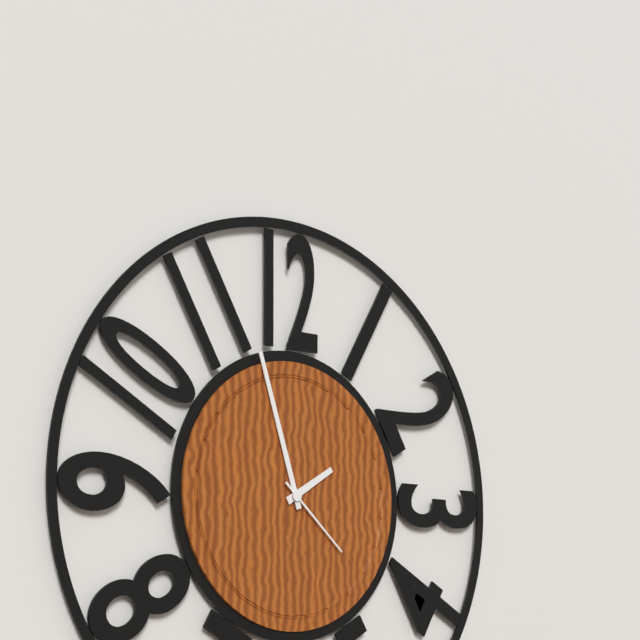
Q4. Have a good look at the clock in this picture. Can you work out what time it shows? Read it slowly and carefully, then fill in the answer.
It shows 1:57:22
